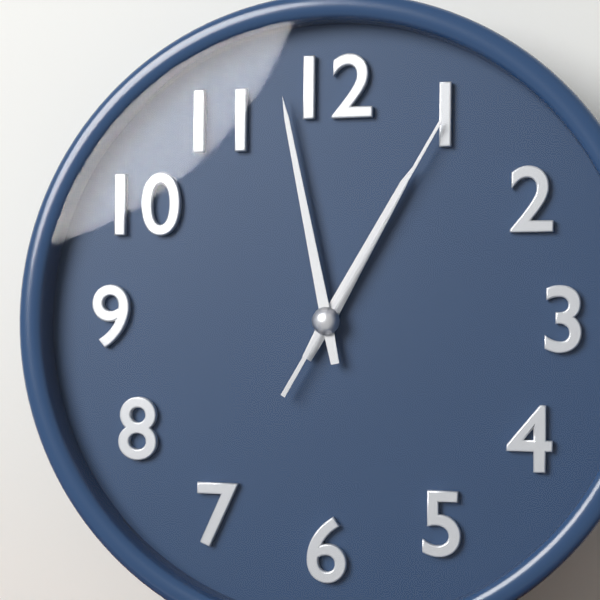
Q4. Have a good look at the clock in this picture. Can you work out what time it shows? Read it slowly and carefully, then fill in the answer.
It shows 12:58:05
